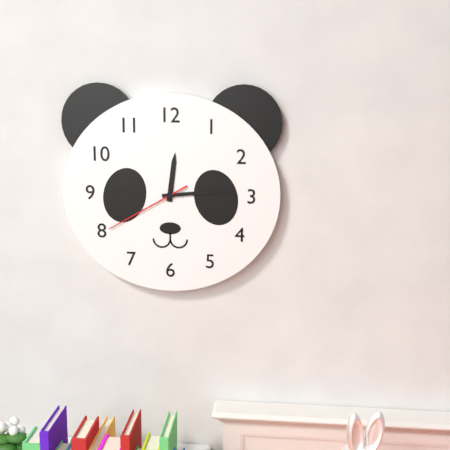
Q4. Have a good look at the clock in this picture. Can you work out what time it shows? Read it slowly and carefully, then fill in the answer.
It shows 12:14:40
